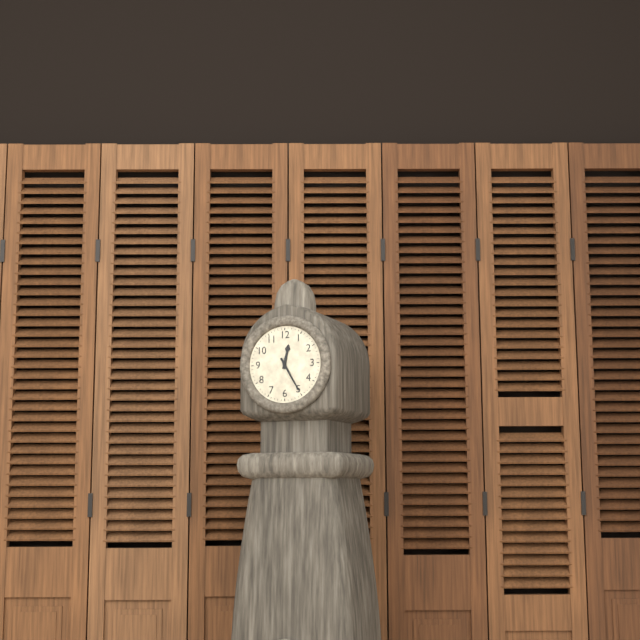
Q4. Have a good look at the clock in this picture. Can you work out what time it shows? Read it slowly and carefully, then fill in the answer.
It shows 12:25
